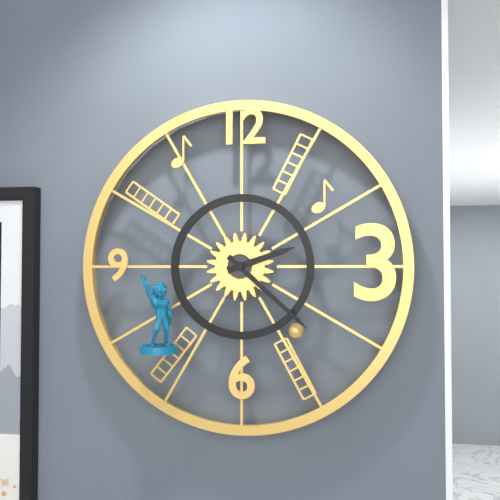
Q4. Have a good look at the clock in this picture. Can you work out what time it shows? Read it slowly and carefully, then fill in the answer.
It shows 2:22
